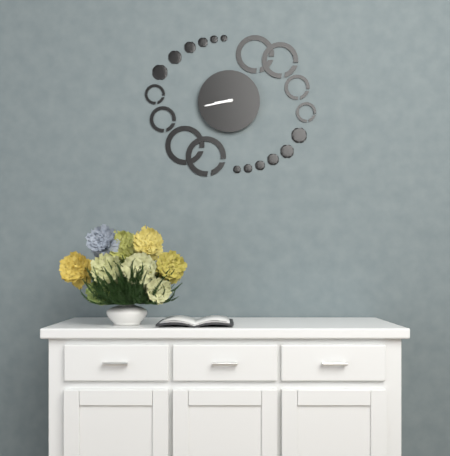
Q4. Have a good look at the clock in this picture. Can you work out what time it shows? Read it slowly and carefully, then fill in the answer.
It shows 8:43
